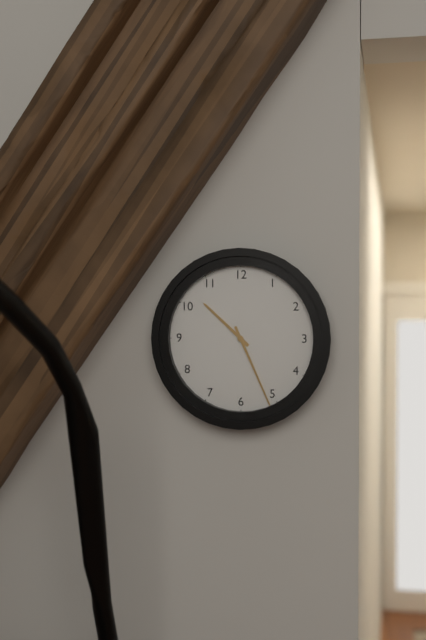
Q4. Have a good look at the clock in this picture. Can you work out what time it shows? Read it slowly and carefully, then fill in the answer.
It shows 10:26
